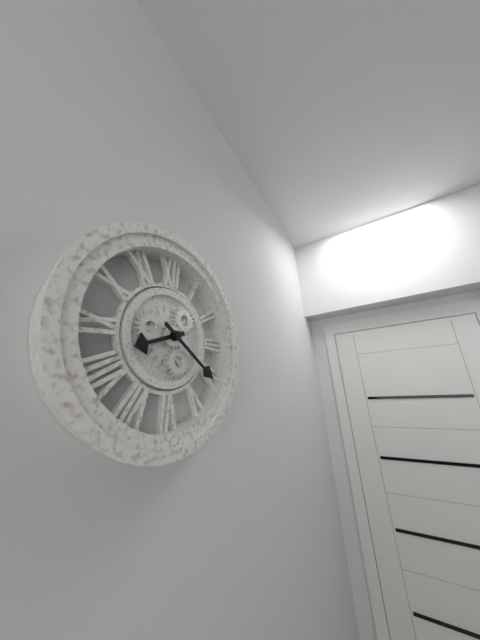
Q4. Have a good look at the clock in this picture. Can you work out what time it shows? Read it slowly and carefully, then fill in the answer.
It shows 8:21
